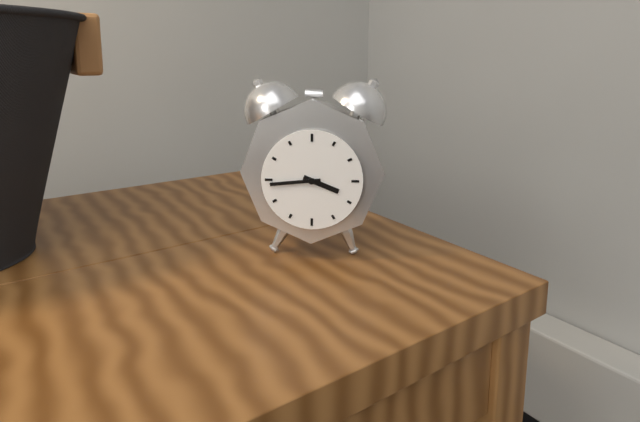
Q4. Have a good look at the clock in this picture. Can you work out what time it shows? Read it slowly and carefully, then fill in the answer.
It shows 3:44
